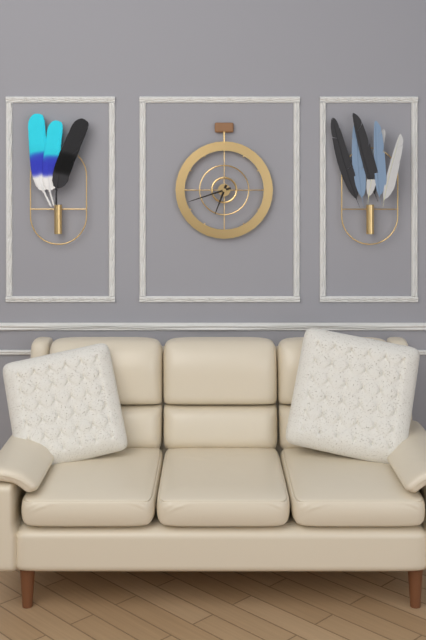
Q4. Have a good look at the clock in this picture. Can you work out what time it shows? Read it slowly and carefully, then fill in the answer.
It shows 6:42
